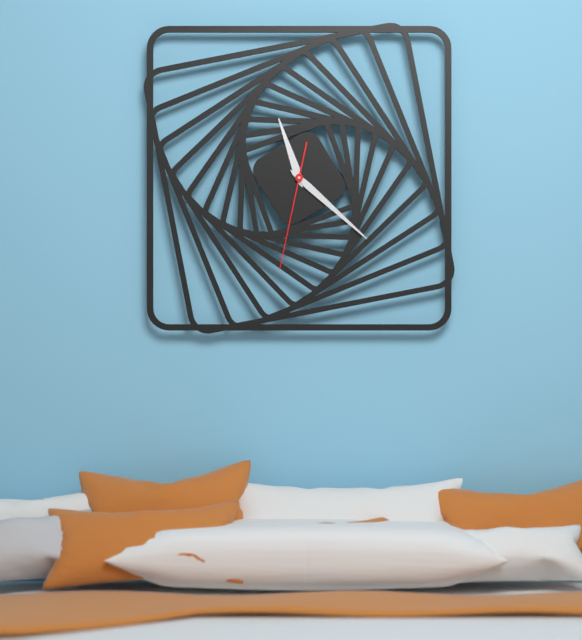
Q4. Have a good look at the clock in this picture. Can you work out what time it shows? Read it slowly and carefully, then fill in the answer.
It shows 11:22:32
